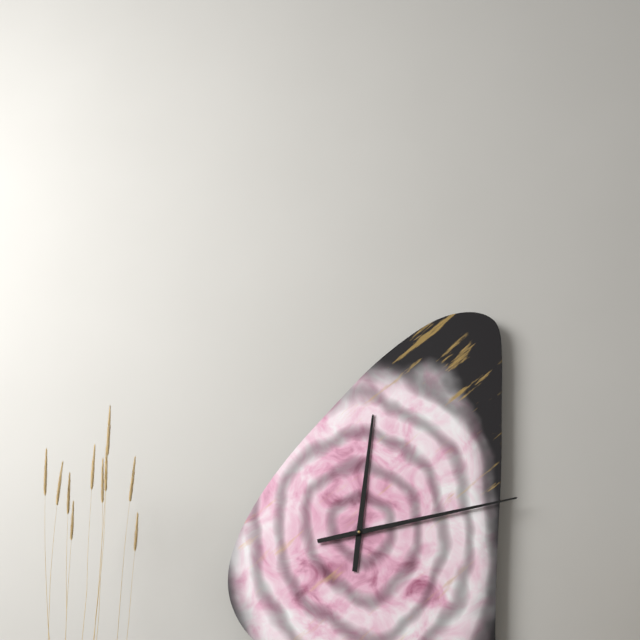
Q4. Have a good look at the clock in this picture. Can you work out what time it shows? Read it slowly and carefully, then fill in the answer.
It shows 12:13
